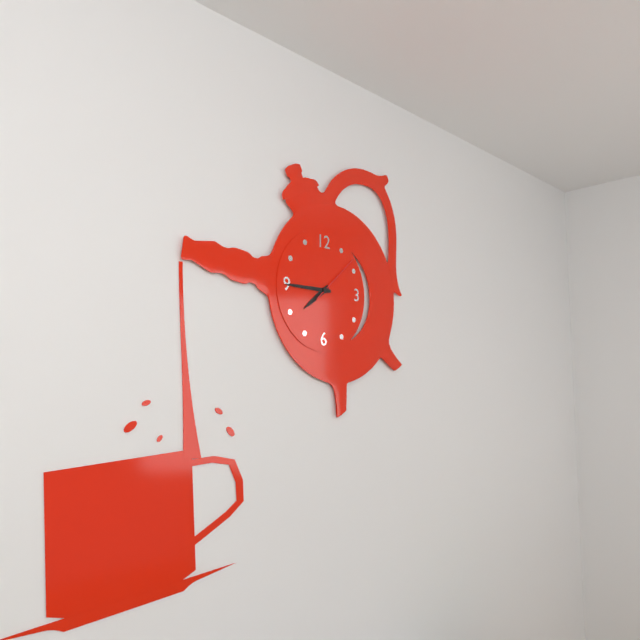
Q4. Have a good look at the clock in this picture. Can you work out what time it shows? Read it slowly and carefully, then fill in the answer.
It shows 7:45:08
